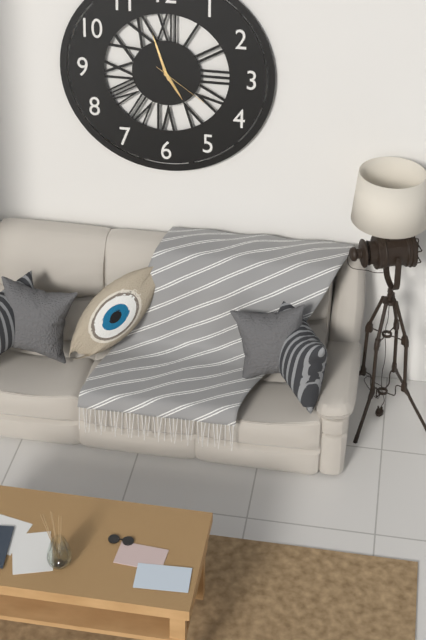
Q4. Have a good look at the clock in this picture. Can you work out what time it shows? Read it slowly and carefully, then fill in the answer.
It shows 4:57:21
